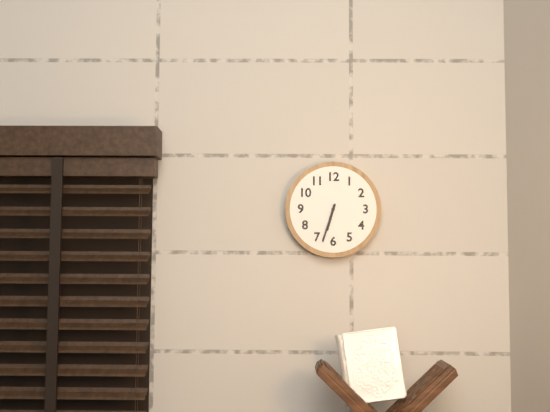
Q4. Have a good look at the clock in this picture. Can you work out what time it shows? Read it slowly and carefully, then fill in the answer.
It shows 6:33
